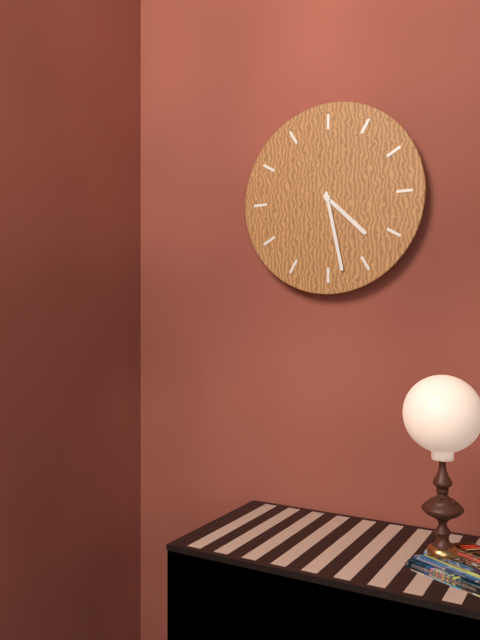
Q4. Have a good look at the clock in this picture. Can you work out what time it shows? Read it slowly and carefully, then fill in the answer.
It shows 4:28
